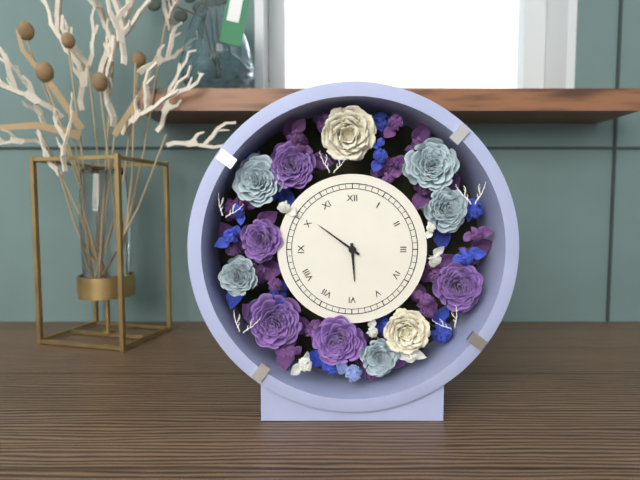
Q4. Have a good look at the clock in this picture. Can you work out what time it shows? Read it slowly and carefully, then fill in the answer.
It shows 5:51
